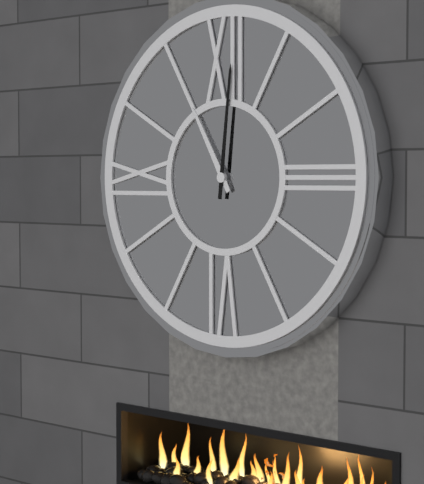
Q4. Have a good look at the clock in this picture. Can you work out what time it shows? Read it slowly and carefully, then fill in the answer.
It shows 11:01
